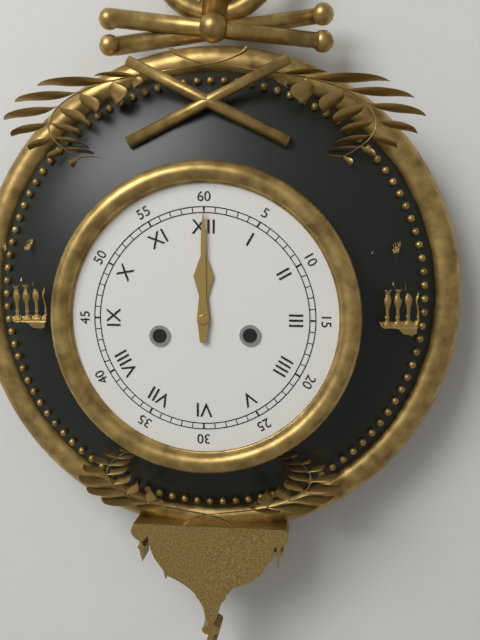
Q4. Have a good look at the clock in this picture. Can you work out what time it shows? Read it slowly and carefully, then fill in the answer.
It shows 12:00
